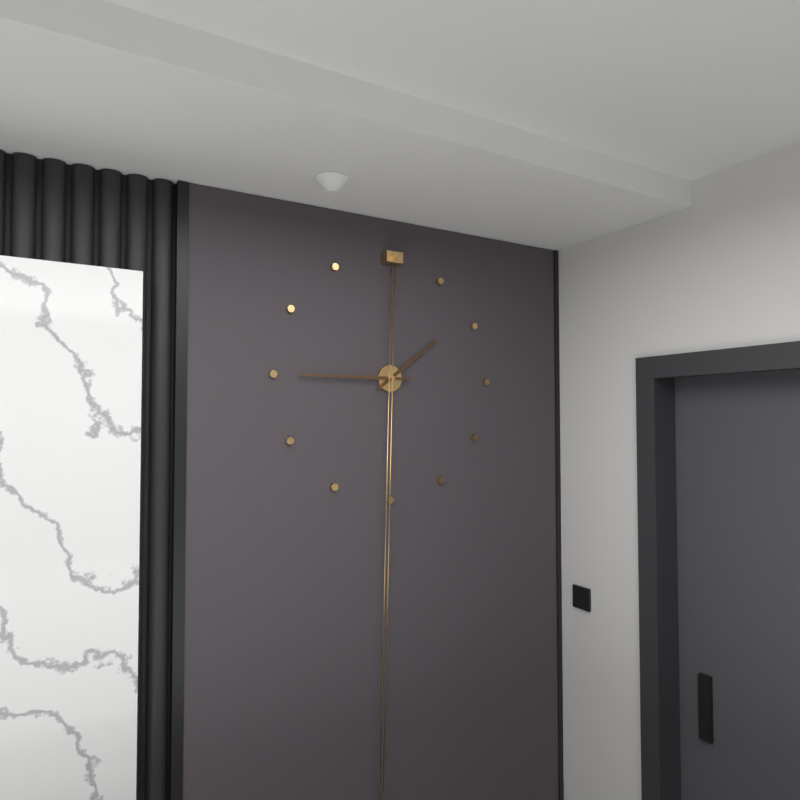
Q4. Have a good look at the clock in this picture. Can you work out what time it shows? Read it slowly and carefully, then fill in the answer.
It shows 1:45
